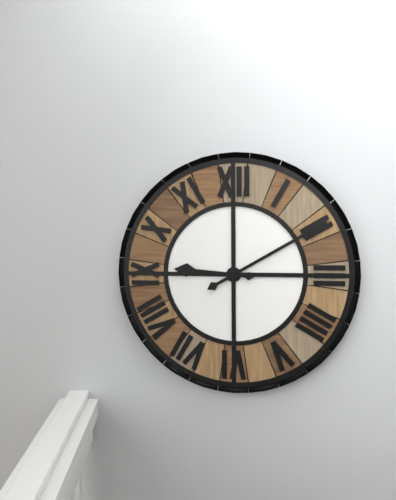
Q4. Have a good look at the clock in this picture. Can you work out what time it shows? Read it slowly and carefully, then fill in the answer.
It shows 9:10
